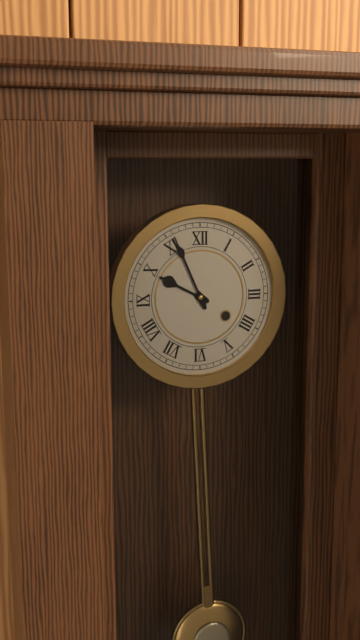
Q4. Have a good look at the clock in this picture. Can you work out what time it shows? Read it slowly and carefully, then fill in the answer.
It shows 9:56
